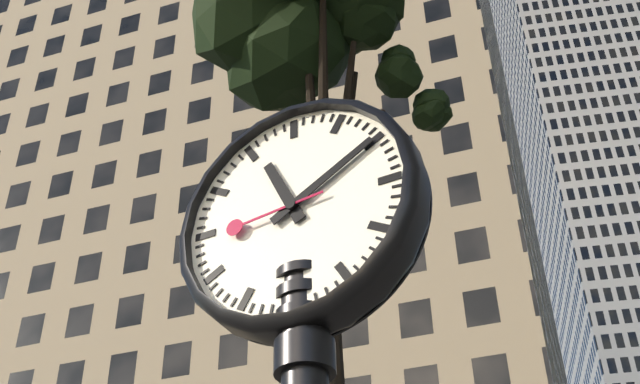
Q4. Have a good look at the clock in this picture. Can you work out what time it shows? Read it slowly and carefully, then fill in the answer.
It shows 11:10:44
